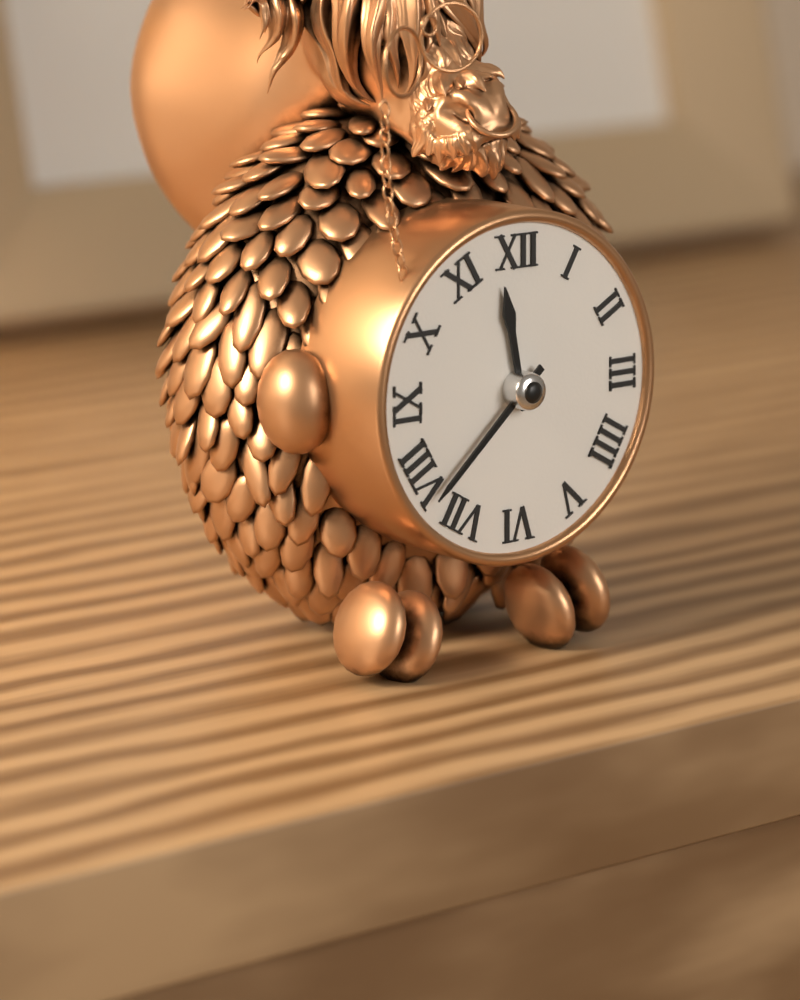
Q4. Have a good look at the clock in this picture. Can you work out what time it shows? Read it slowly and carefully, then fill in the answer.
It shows 11:38
